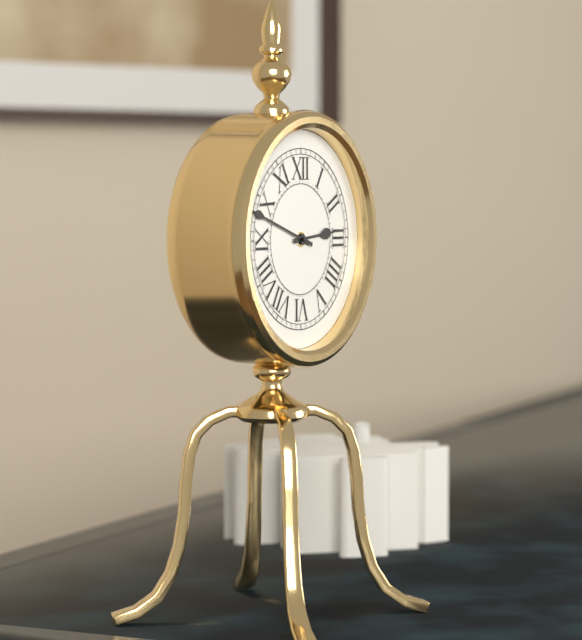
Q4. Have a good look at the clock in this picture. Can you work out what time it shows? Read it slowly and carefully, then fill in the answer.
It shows 2:48
